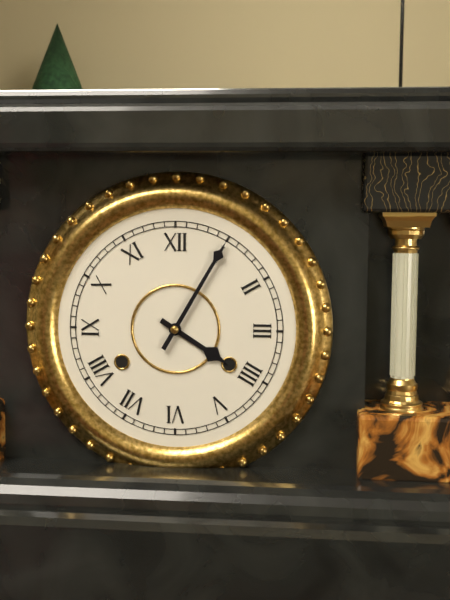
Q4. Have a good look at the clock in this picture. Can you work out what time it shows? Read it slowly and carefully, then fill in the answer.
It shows 4:05
